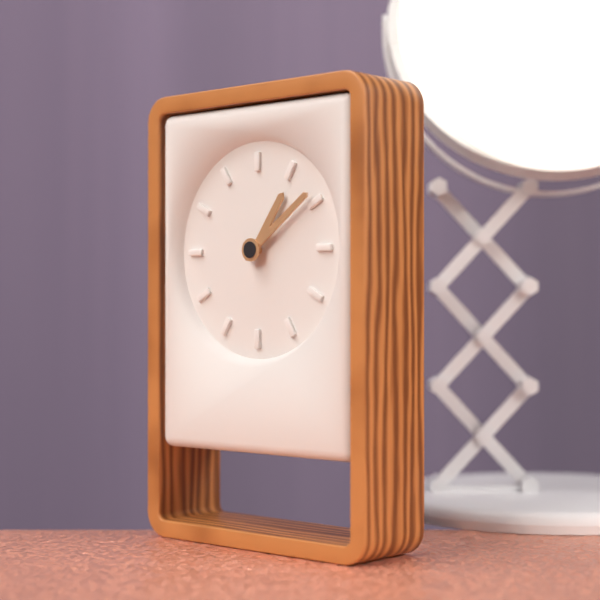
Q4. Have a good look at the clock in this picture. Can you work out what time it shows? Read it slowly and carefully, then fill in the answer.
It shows 1:09
